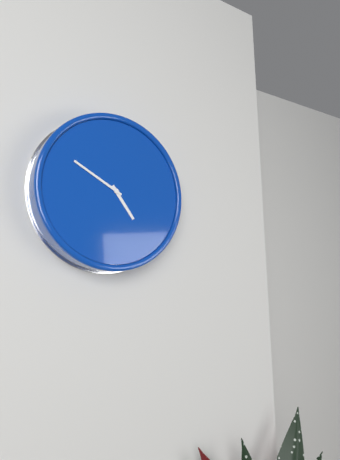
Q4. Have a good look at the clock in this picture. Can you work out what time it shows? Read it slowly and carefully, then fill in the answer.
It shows 4:50
